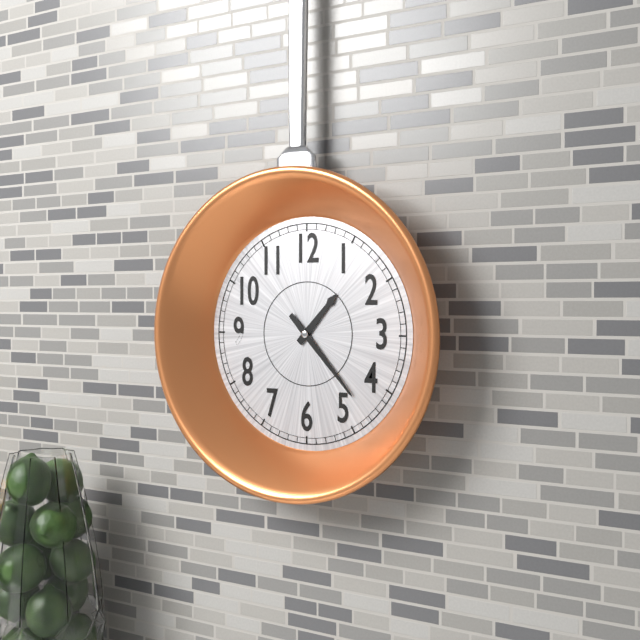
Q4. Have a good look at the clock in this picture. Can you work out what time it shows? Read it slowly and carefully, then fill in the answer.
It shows 1:23
